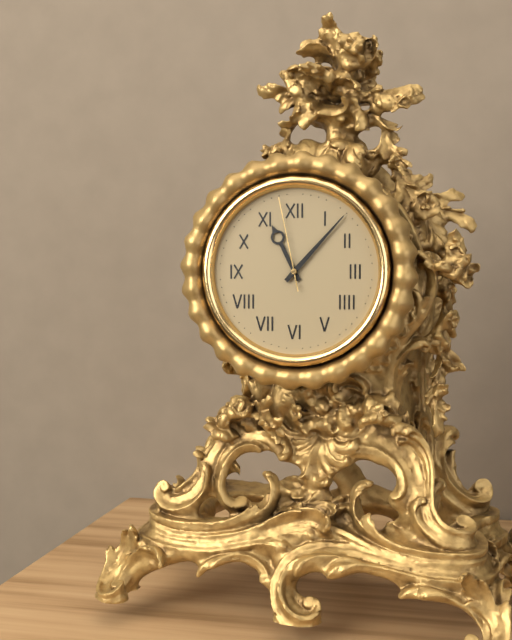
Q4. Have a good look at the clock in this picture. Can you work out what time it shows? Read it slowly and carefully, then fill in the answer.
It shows 11:07:58
